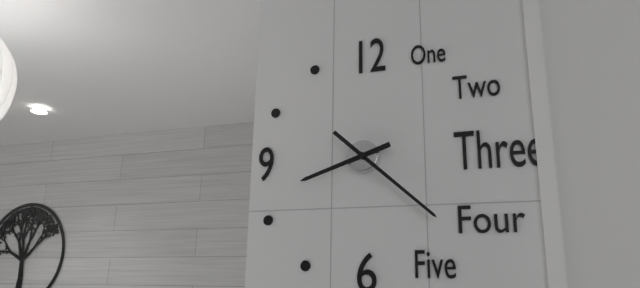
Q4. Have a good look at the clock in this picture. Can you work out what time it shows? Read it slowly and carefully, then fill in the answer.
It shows 8:22
